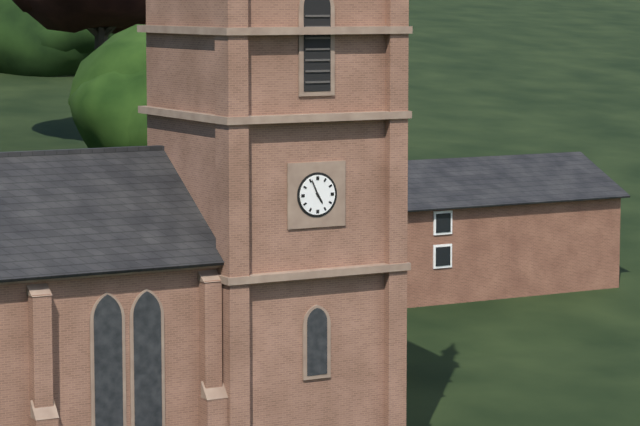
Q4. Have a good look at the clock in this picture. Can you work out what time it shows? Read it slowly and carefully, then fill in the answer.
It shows 4:56
